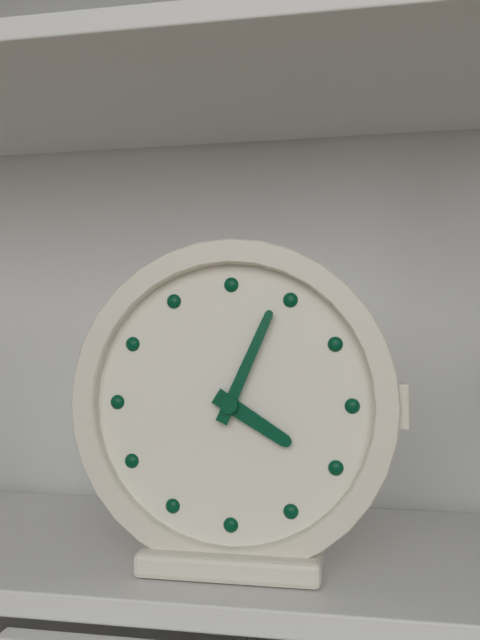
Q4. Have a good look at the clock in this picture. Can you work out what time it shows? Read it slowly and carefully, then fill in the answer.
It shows 4:04
